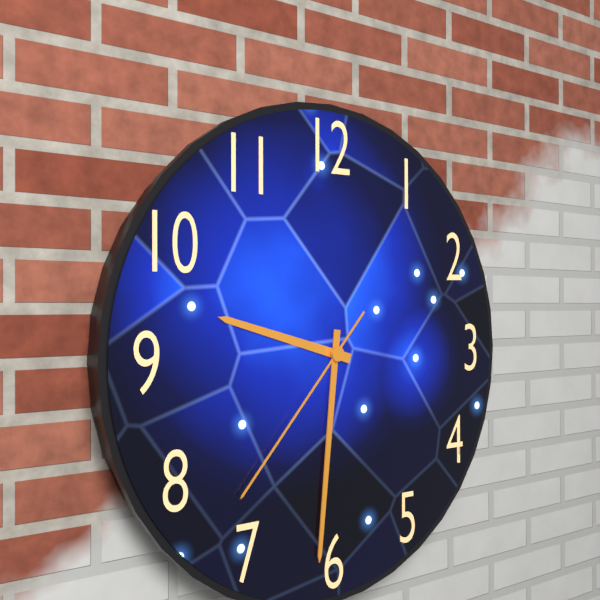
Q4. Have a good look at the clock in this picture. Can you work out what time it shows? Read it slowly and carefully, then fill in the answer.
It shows 9:31:37
